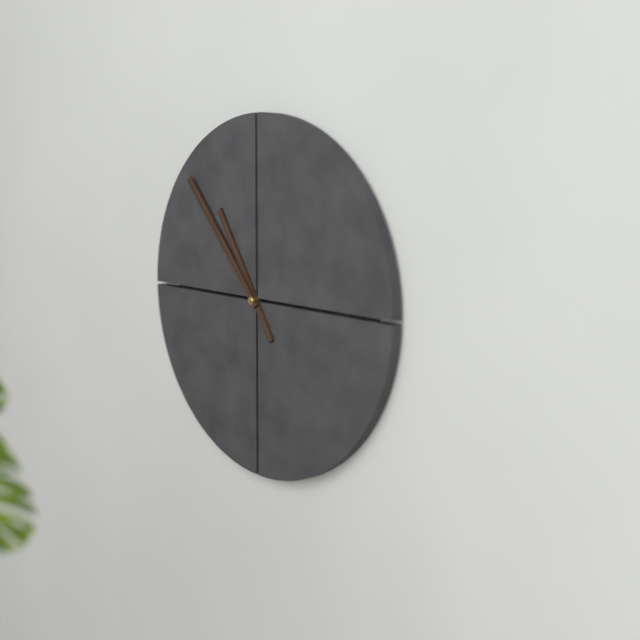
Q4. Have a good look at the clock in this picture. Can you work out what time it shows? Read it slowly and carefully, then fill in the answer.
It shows 10:53
